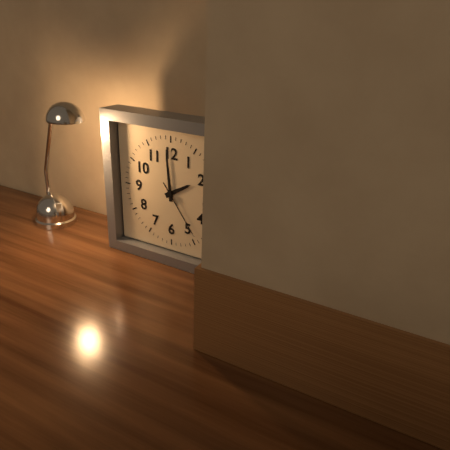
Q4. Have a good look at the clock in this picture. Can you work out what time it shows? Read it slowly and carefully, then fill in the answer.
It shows 1:59:24
